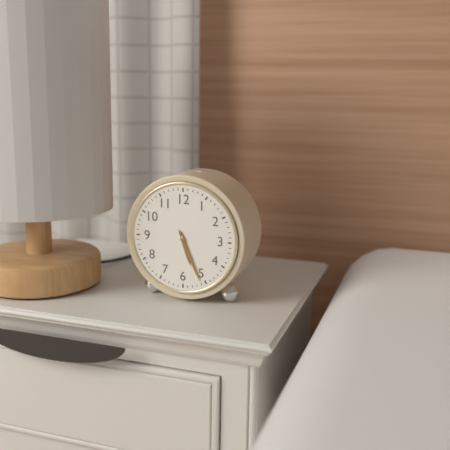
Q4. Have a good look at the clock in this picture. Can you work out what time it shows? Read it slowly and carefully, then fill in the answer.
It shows 5:26
